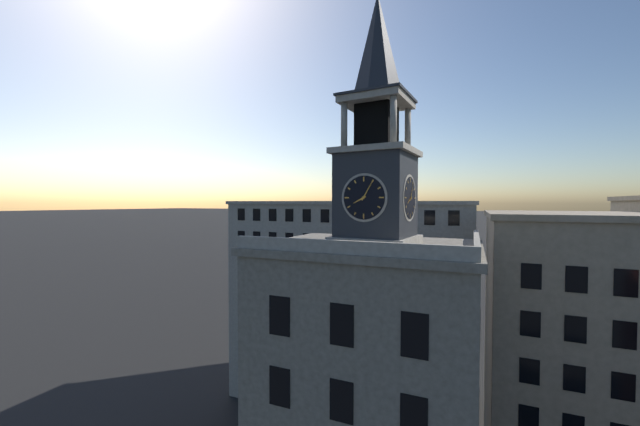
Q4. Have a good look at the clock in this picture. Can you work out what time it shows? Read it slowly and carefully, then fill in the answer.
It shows 8:05
